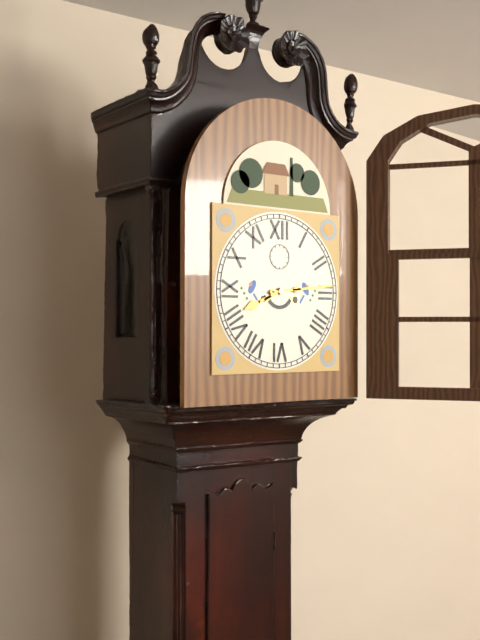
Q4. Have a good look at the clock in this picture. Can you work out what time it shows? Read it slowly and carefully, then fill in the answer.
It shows 8:14
